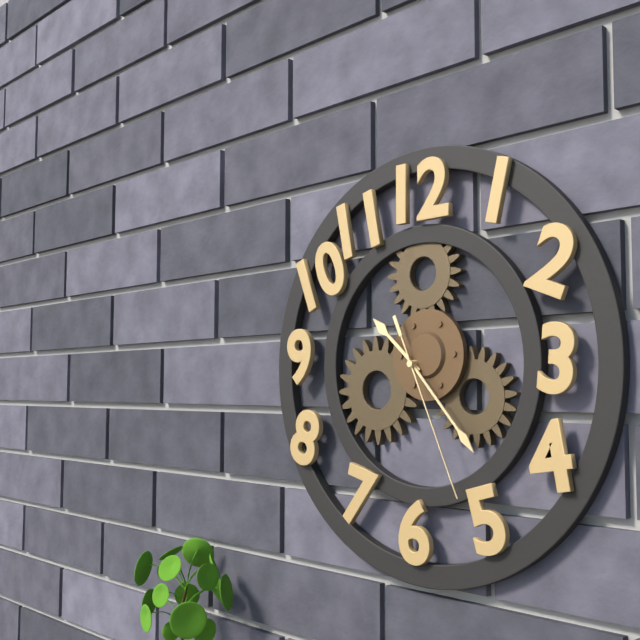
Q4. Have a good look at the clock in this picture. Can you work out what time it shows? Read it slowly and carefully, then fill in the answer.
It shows 10:23:26
